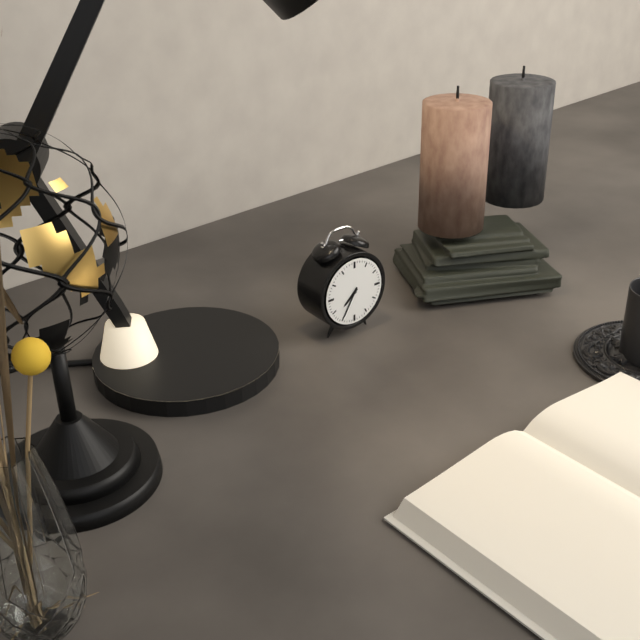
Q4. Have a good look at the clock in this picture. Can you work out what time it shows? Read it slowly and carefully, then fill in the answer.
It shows 7:35
